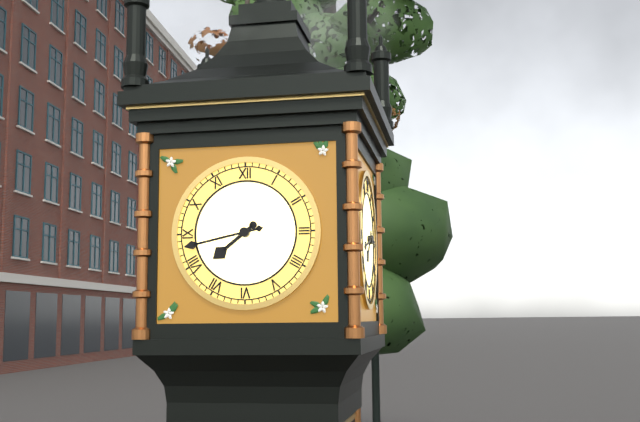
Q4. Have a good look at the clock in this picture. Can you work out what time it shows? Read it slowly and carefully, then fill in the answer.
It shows 7:43
